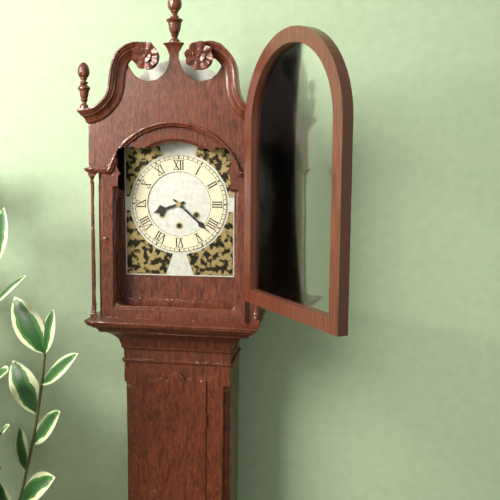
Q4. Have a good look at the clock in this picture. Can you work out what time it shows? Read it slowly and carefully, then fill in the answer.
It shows 8:22
